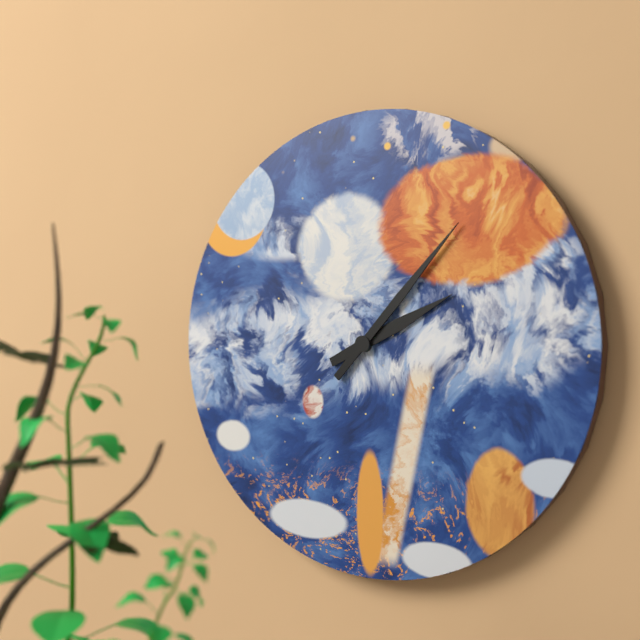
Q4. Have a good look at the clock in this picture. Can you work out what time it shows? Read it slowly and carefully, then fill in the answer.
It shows 2:07
